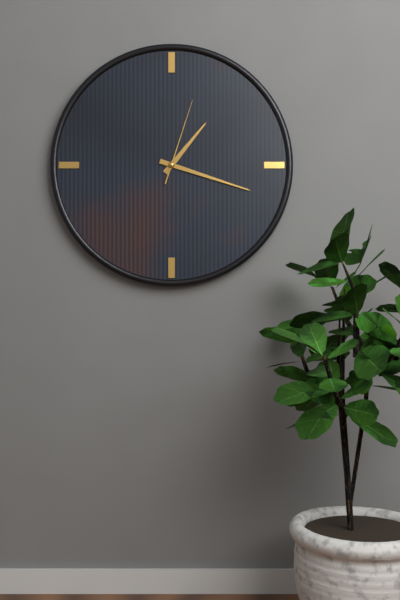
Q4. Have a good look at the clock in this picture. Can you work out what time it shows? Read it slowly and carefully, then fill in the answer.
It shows 1:18:03
